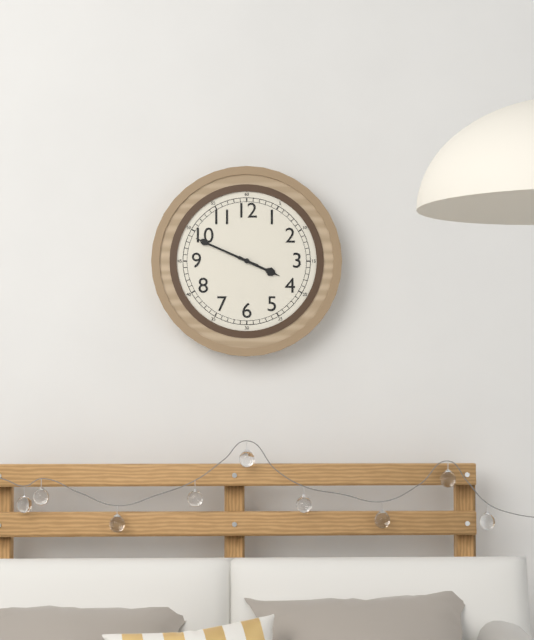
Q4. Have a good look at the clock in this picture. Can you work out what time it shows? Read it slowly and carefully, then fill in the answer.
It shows 3:49
